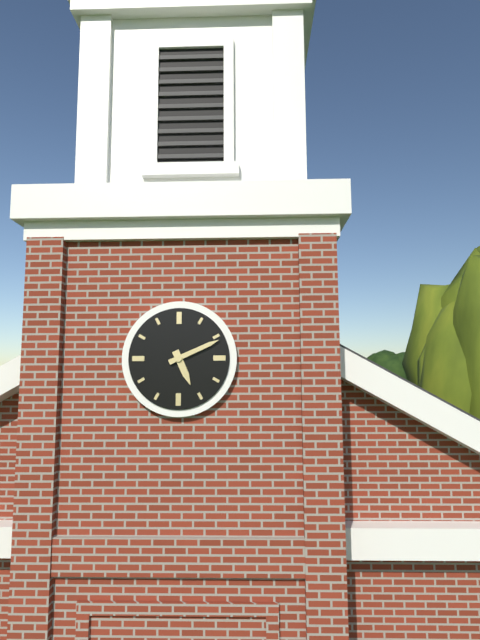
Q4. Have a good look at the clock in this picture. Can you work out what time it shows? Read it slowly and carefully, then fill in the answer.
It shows 5:11
